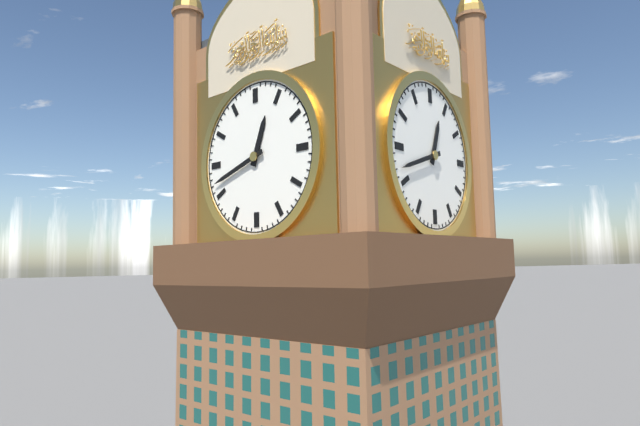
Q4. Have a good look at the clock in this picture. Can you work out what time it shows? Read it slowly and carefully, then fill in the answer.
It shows 12:42
